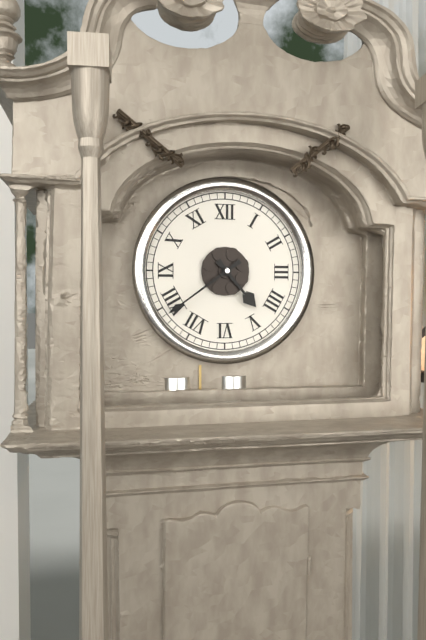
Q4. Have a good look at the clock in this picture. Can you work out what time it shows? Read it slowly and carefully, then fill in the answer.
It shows 4:39
